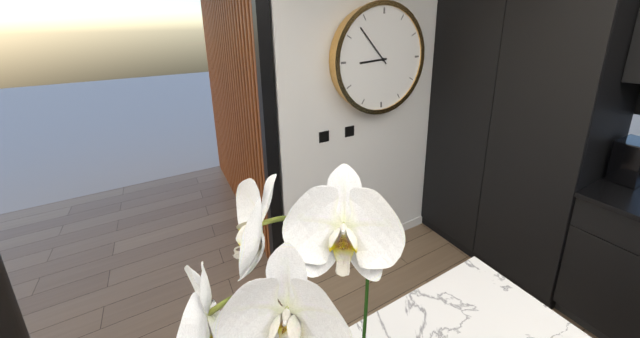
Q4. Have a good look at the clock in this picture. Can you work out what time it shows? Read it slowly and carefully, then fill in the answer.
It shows 8:53
